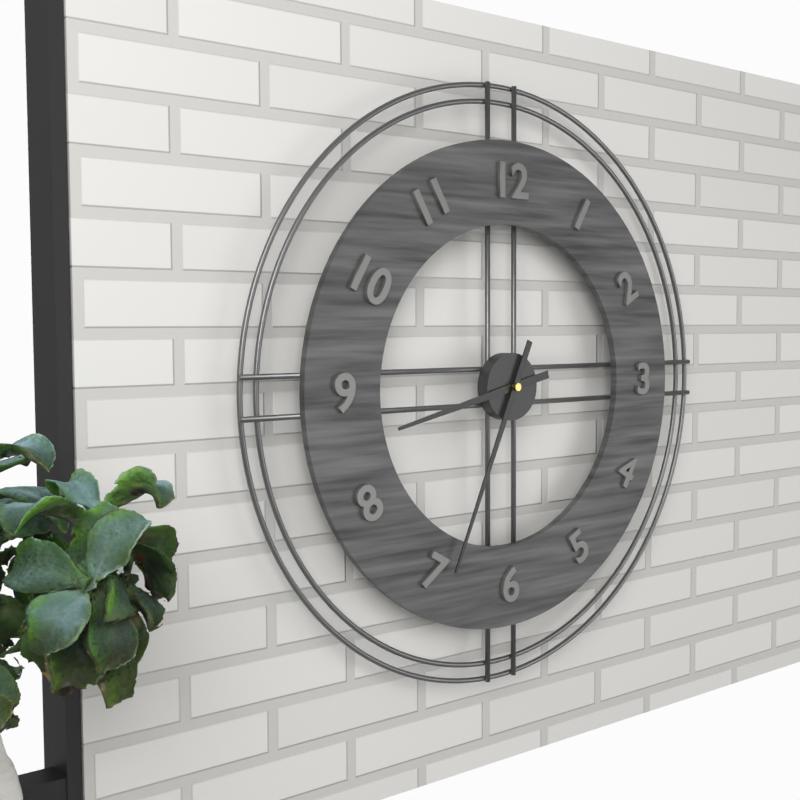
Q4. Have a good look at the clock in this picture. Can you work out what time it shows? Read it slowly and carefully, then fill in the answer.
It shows 8:34
